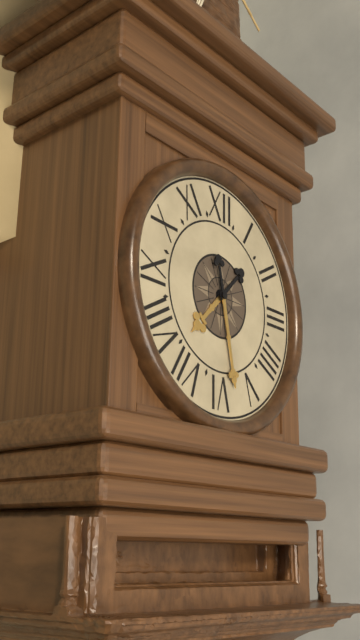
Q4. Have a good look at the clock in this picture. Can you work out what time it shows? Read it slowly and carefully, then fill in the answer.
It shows 7:28
